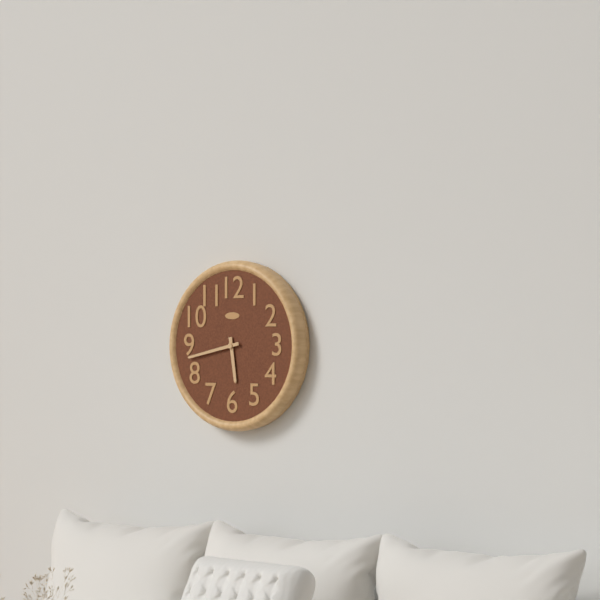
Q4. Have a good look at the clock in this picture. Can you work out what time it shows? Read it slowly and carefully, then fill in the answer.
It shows 5:43
